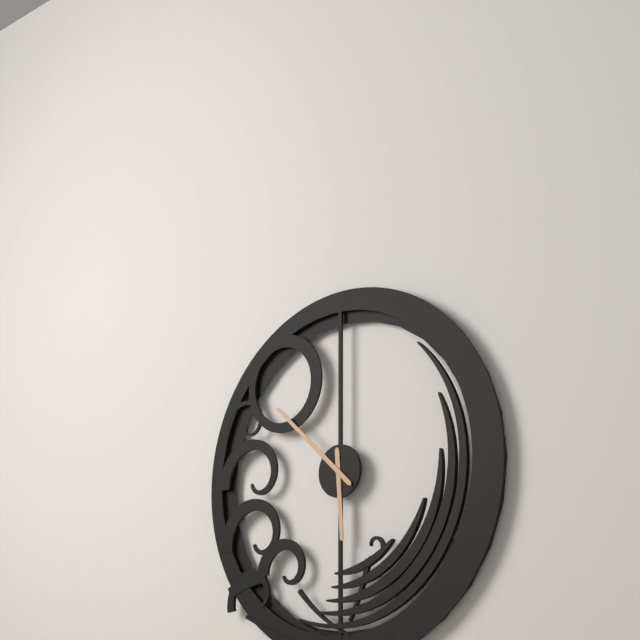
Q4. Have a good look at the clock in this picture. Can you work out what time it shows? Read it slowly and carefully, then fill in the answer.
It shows 5:52
